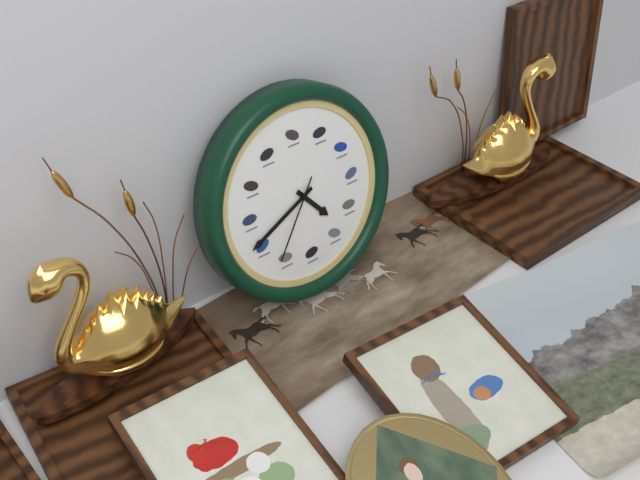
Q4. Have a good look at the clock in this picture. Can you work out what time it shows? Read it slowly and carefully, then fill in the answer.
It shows 4:41:36
